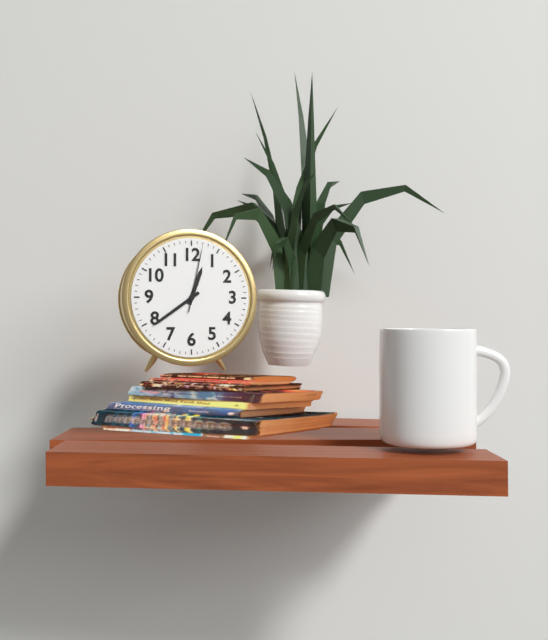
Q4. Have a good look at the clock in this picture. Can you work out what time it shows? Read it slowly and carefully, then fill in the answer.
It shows 12:39:02
